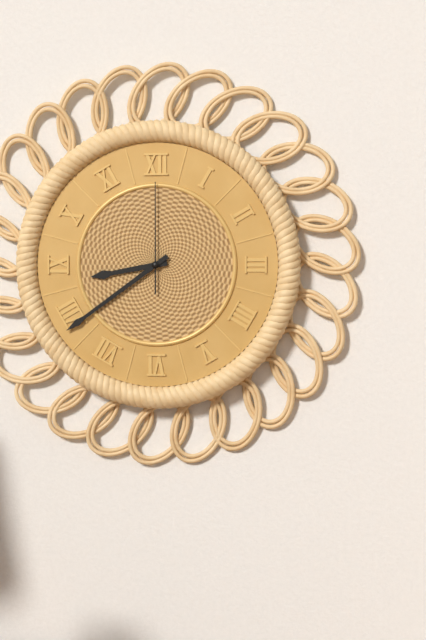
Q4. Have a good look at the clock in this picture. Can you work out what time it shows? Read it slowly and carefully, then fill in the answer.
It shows 8:39:00
